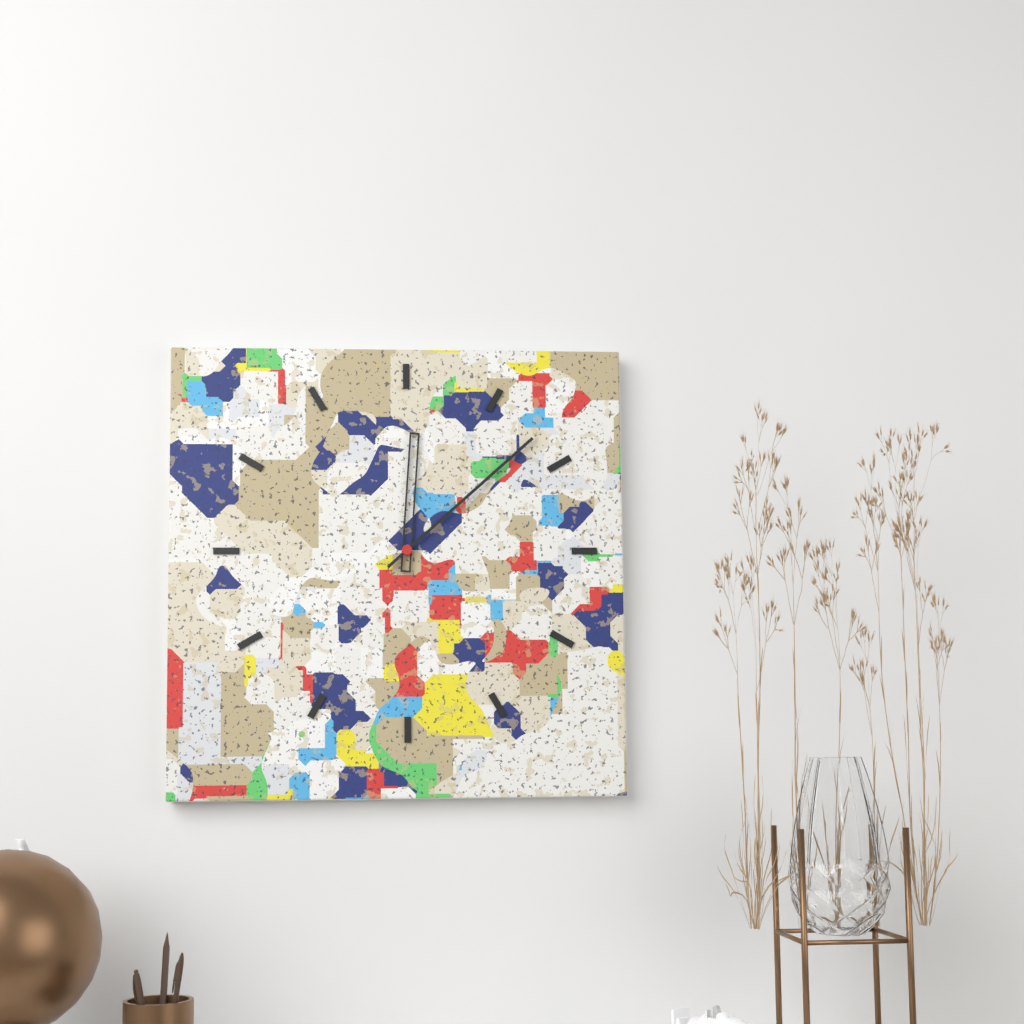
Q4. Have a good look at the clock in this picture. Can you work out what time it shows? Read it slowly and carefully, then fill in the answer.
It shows 12:08
